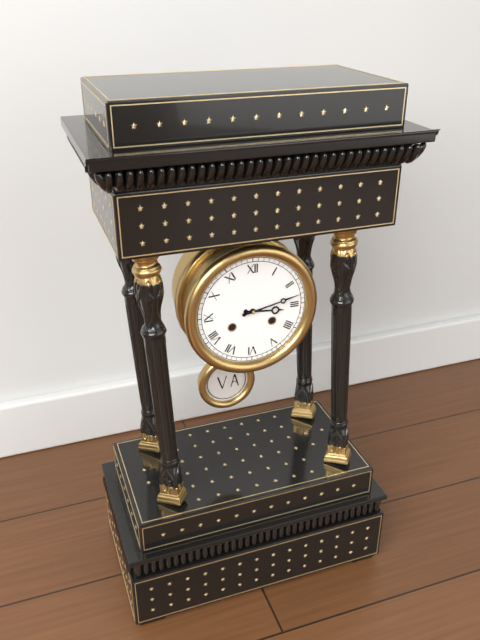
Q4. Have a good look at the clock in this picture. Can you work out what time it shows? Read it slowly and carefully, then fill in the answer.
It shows 3:13
